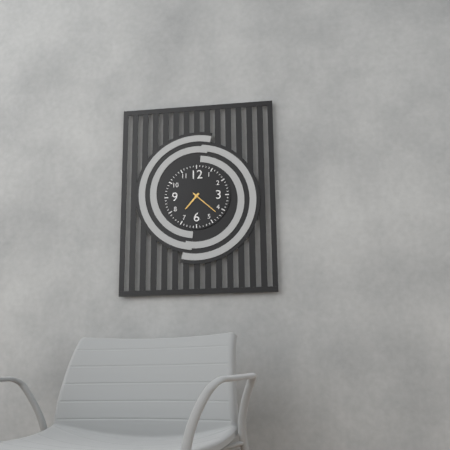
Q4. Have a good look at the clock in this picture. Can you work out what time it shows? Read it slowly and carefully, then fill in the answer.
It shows 7:22
